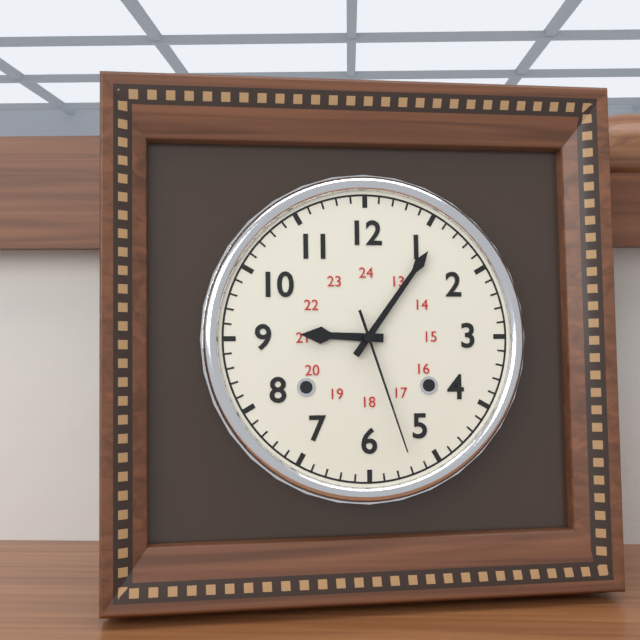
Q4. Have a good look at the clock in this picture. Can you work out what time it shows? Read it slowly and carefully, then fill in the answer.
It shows 9:06:27
